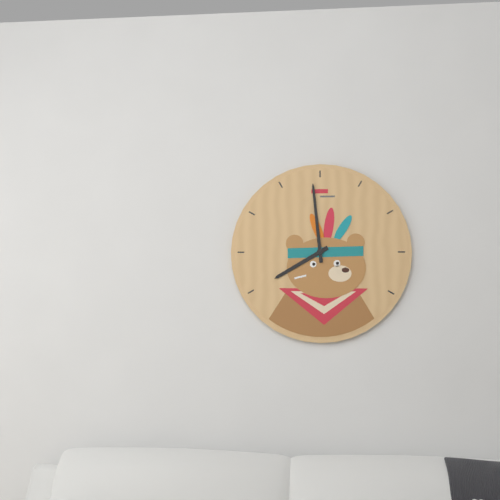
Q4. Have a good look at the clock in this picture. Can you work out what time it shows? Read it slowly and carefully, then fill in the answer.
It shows 7:59
